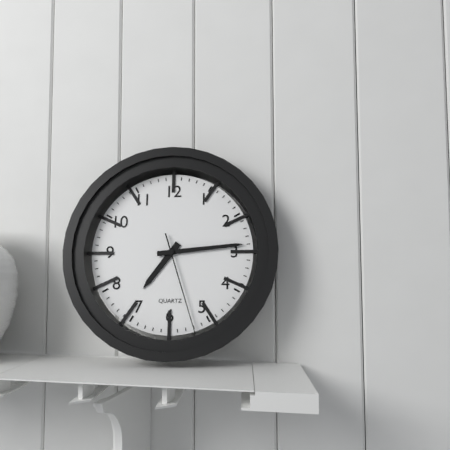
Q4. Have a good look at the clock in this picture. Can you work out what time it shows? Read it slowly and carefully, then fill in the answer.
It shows 7:14:27
